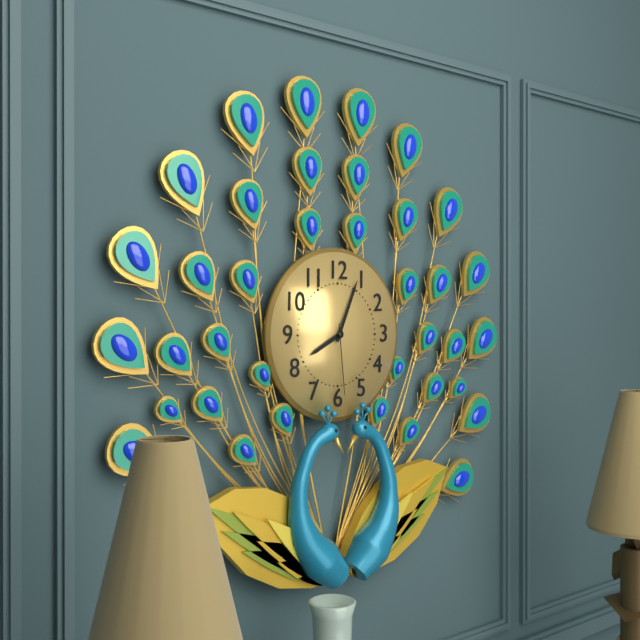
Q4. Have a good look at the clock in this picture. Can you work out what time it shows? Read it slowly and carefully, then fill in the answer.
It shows 8:04:29
